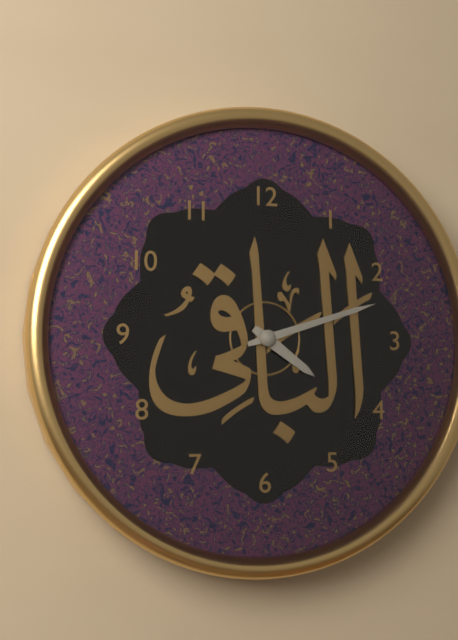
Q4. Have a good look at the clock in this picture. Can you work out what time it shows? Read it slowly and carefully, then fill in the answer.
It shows 4:12
